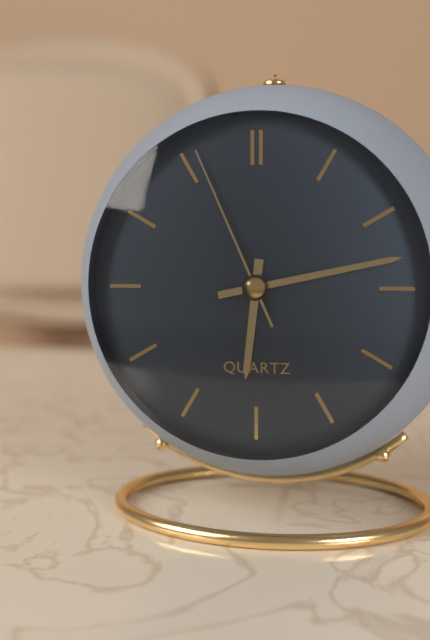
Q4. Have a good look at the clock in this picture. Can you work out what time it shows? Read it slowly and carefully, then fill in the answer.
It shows 6:13:56
